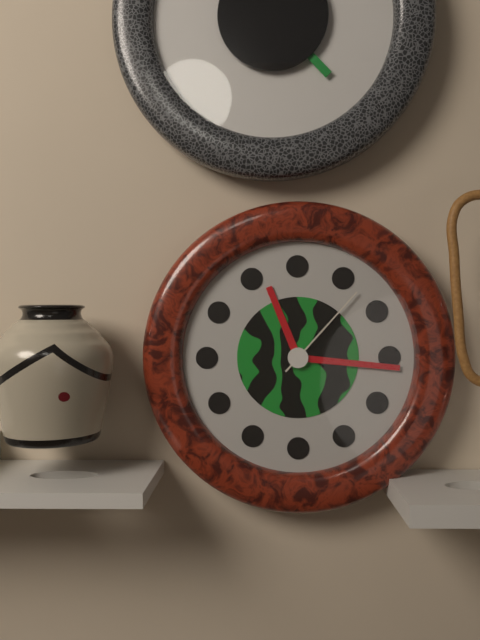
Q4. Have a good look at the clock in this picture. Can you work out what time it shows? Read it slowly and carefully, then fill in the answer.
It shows 11:16:07
